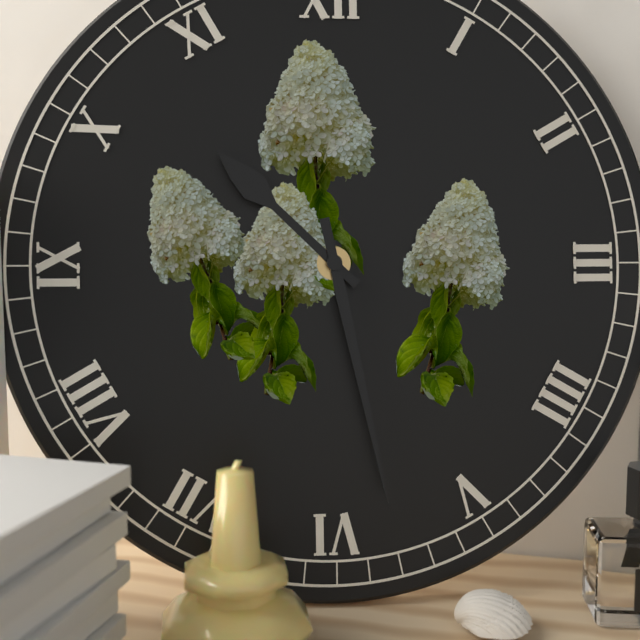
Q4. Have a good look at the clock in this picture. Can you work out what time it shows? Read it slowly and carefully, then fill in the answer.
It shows 10:28
